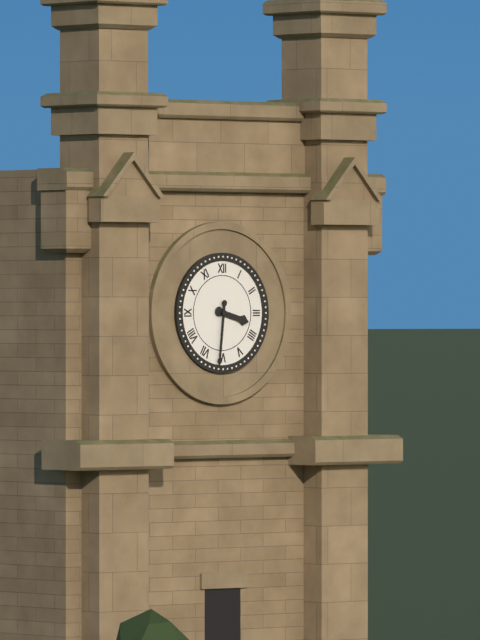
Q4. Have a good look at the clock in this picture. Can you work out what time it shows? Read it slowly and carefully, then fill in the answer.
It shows 3:31
